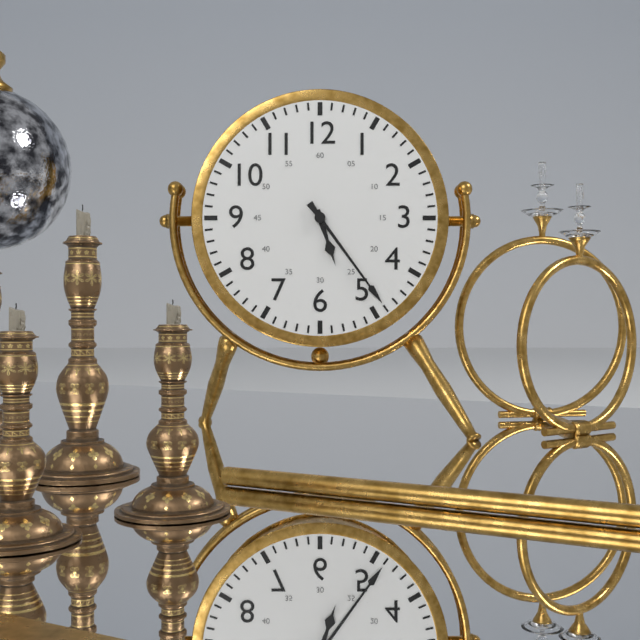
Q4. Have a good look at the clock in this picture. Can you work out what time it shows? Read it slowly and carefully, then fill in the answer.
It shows 5:24
